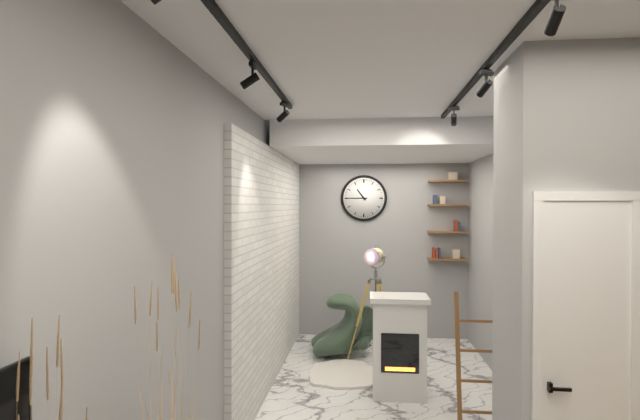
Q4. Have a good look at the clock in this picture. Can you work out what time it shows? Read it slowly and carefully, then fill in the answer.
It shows 10:45
